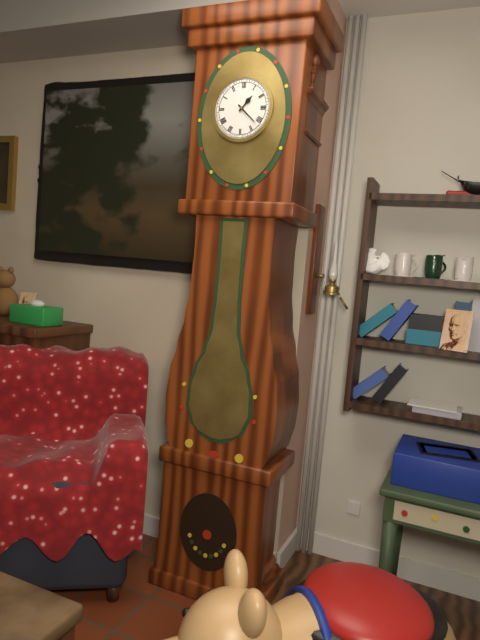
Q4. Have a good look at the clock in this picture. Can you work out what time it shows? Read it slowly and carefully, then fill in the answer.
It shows 1:22
